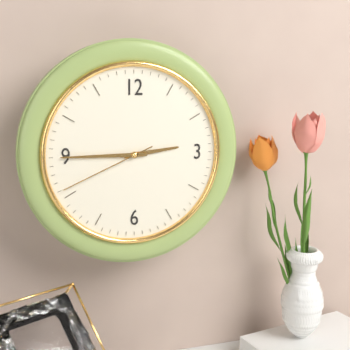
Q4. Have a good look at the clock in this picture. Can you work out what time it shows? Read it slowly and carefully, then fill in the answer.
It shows 2:45:41
